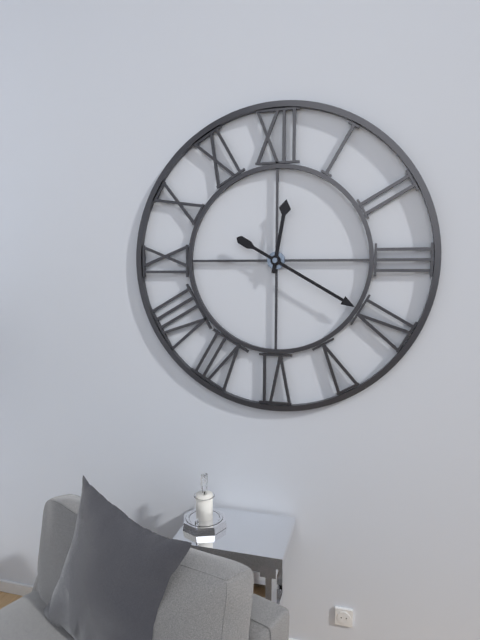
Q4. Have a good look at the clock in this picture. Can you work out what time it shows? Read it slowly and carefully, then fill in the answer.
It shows 12:20
